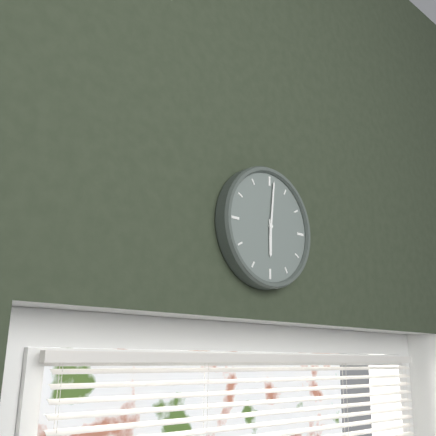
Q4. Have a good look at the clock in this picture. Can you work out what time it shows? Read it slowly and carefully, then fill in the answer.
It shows 6:01
